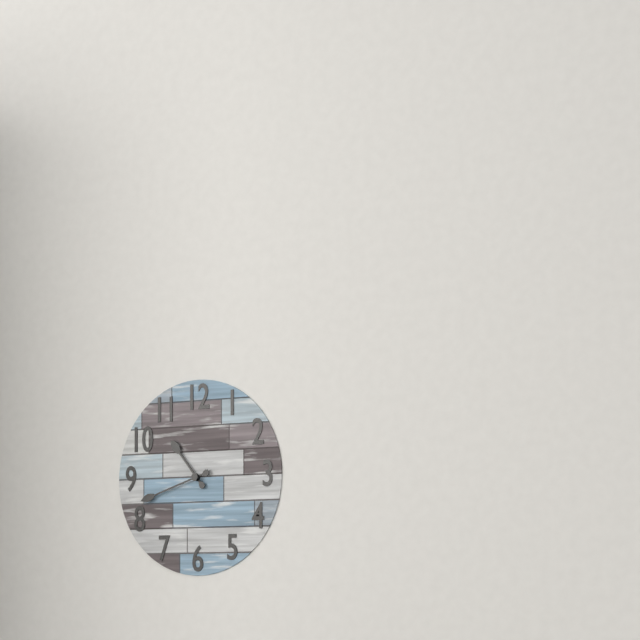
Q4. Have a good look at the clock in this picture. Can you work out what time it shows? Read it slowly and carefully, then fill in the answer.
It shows 10:42
